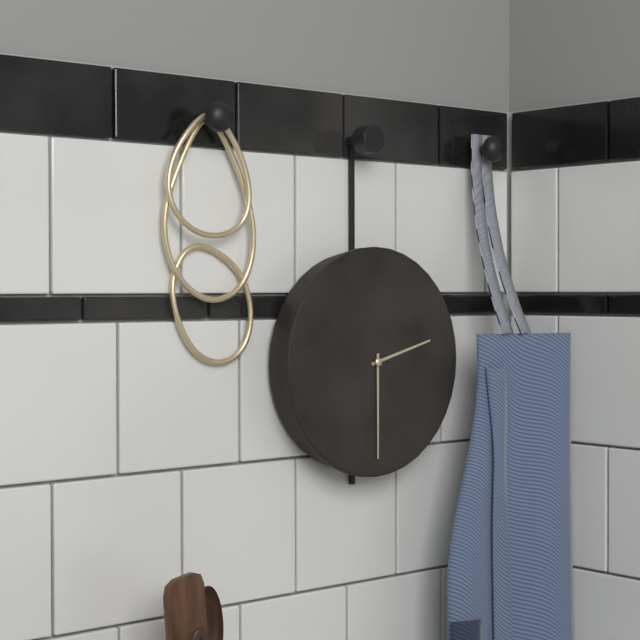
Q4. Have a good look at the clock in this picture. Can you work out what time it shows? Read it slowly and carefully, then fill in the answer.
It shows 2:30
